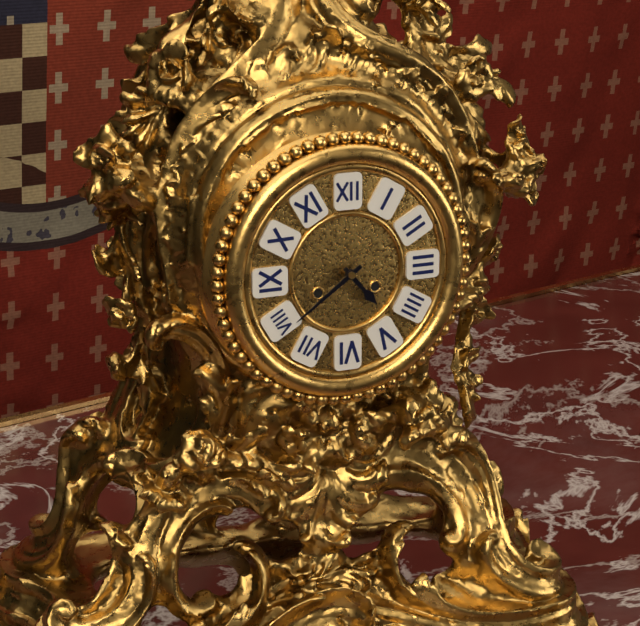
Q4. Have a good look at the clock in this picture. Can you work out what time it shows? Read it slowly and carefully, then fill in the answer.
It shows 4:39
